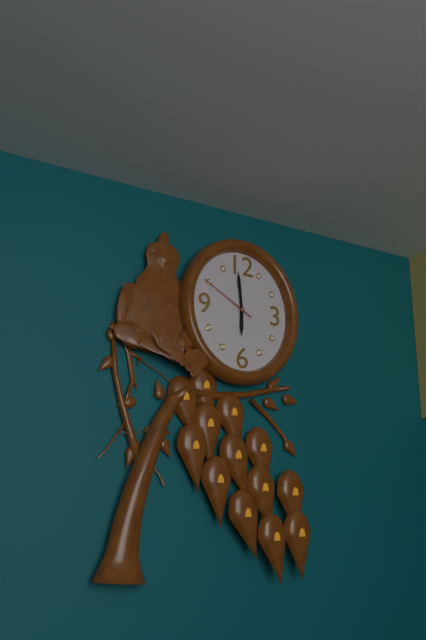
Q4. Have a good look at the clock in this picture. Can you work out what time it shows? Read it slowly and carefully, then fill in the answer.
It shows 5:59:50
